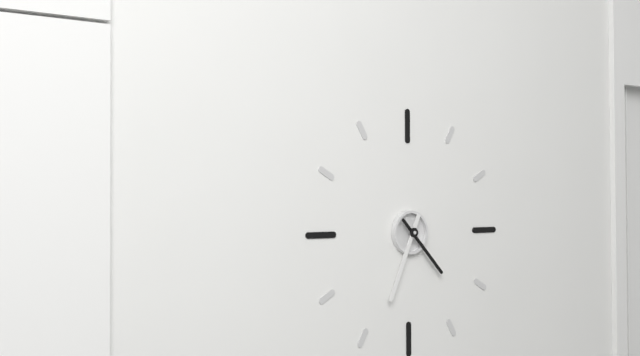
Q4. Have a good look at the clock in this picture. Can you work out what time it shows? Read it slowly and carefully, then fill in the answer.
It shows 4:34
